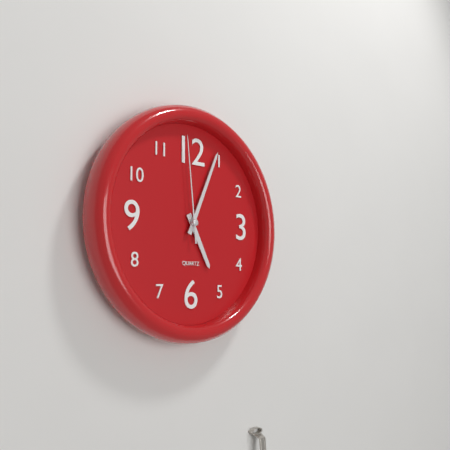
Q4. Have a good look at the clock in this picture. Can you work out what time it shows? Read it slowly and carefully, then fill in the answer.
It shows 5:04:59
